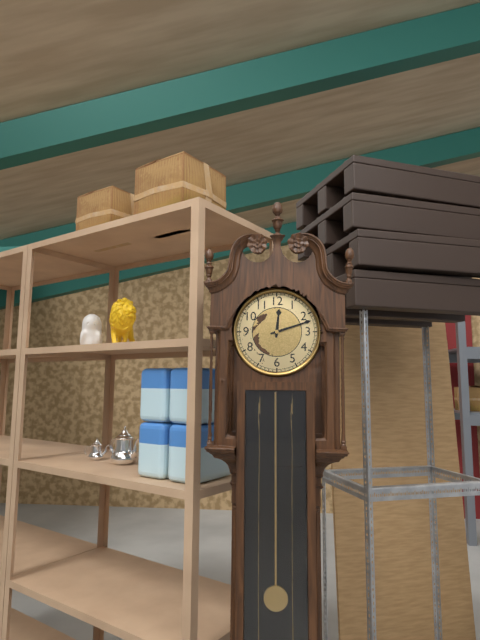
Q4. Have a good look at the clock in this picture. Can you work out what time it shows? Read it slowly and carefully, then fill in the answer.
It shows 12:12
